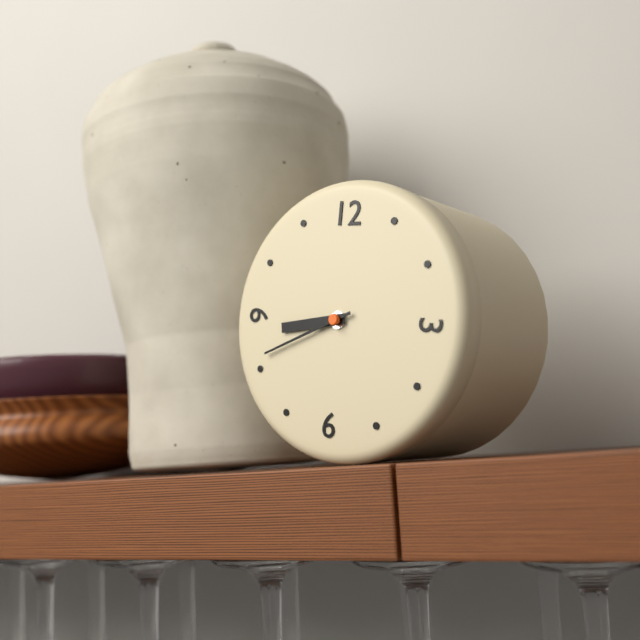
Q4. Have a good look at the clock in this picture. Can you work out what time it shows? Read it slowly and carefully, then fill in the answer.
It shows 8:41
